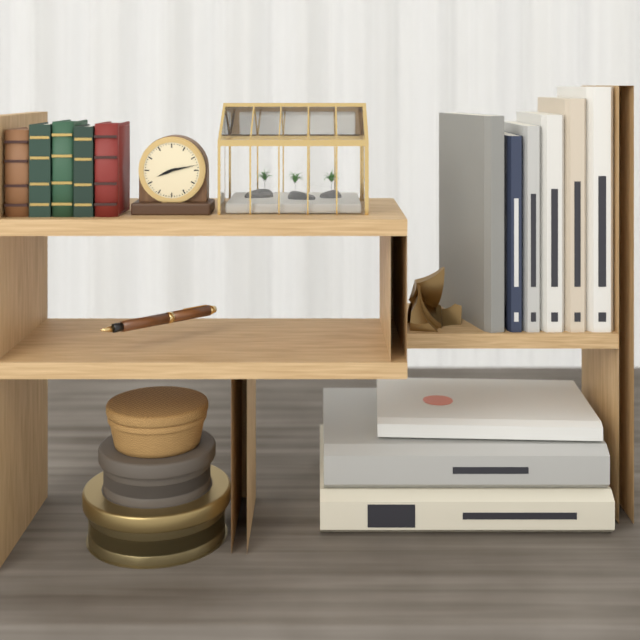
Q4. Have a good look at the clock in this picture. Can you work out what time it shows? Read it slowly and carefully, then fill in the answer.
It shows 8:13
